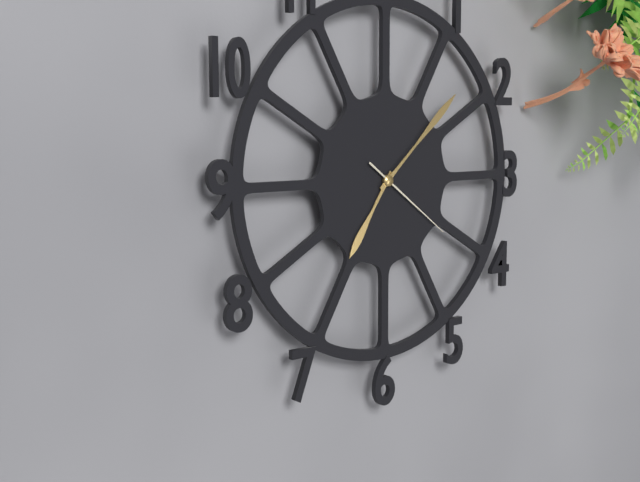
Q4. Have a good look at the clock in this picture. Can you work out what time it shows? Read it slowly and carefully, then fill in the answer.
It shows 7:08:21
